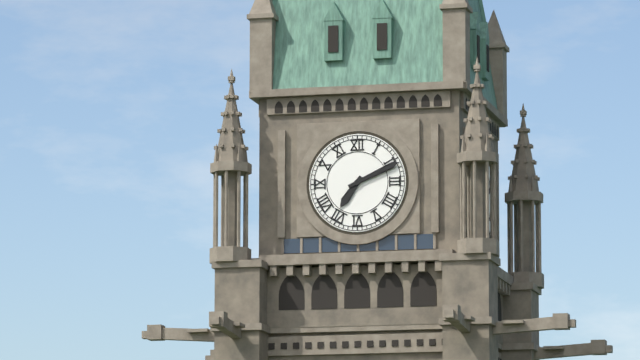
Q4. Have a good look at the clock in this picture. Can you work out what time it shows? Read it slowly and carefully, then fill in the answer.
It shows 7:11
